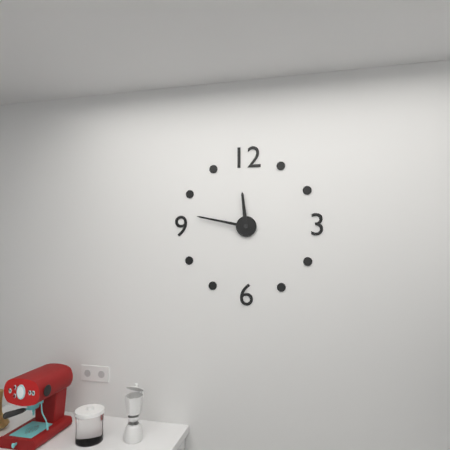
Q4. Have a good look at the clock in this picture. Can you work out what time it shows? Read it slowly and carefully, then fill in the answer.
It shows 11:47
